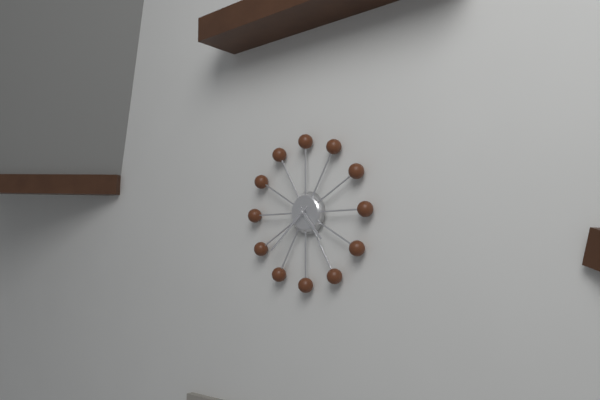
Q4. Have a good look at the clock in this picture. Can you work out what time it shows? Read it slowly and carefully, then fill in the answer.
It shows 4:38
